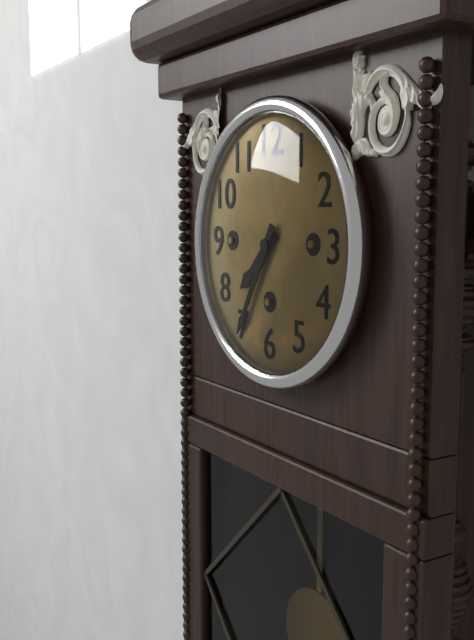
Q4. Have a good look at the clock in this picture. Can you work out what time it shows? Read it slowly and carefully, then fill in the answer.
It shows 7:35
